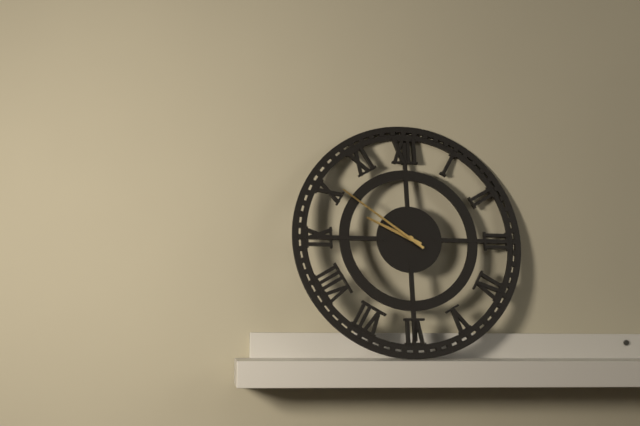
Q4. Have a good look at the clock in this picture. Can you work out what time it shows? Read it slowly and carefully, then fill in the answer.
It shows 9:51
